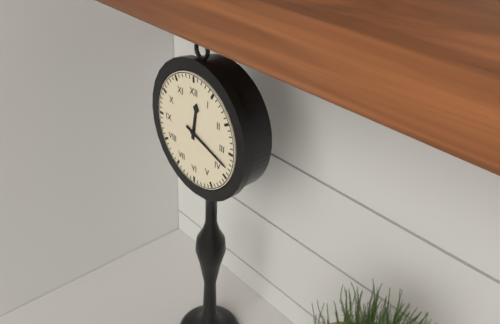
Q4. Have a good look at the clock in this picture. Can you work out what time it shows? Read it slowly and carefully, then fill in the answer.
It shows 12:18
